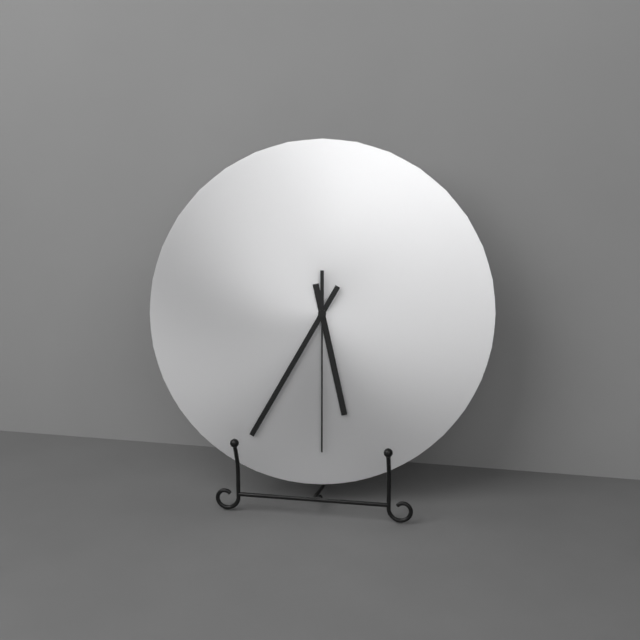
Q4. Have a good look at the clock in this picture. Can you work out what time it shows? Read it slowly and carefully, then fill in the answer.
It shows 5:35:30
